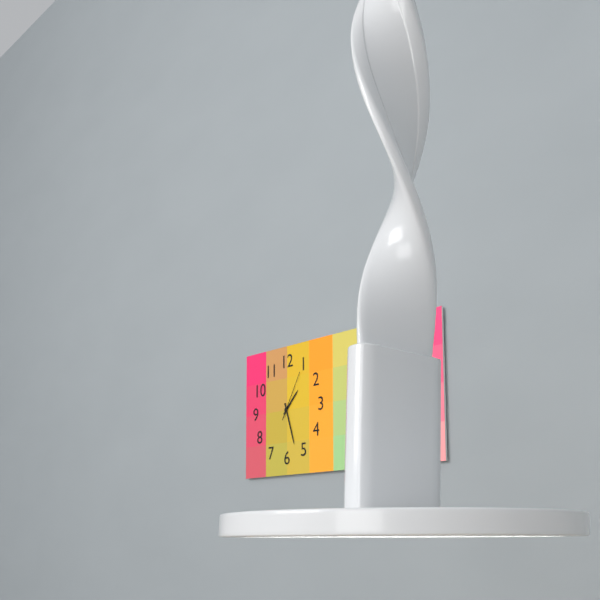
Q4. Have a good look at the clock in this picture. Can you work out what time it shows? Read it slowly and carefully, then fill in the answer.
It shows 1:27:05
